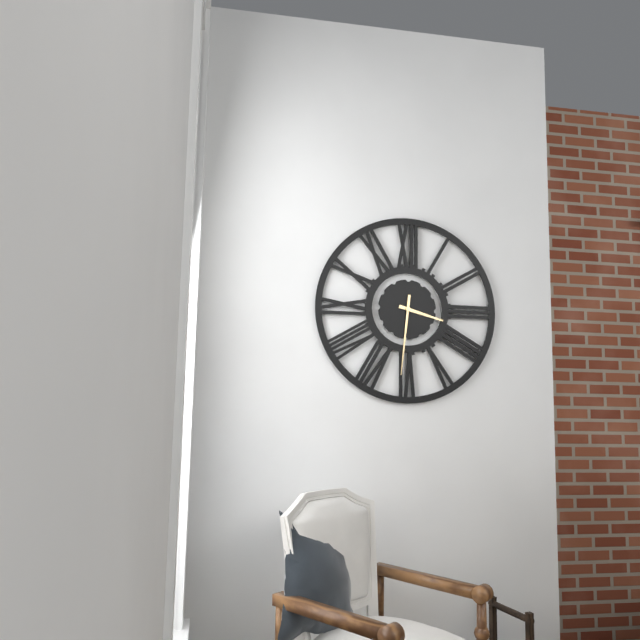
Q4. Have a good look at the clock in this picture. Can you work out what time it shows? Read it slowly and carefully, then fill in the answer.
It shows 3:31
